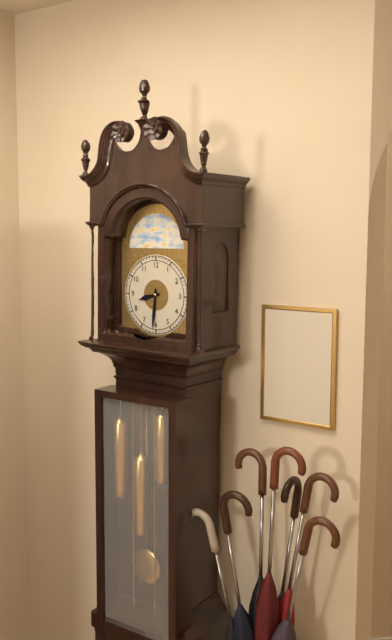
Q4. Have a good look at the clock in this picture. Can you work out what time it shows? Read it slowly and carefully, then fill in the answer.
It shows 8:31
